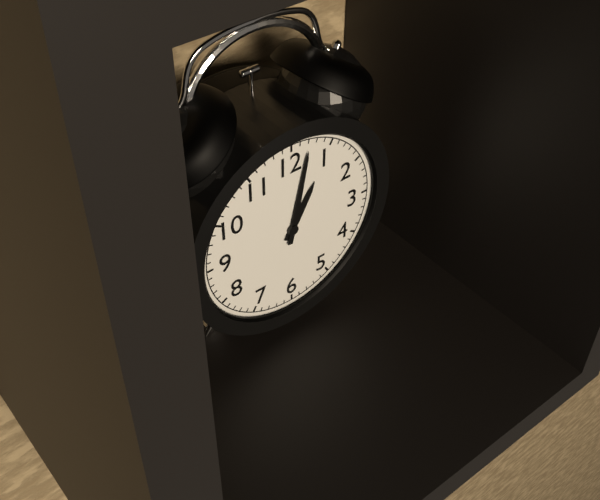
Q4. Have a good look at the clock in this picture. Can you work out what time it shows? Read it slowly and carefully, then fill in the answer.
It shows 1:02
